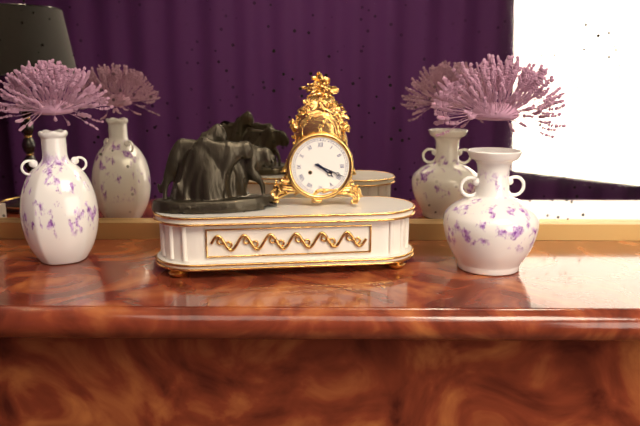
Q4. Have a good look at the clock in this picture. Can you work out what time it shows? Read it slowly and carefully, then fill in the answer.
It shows 4:19
